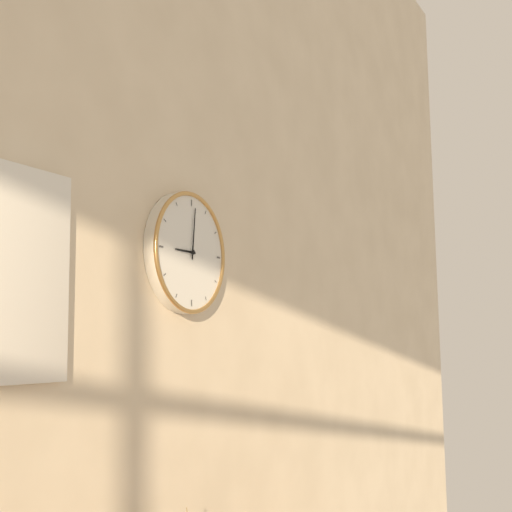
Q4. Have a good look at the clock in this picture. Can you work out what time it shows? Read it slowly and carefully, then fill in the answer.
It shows 9:01
